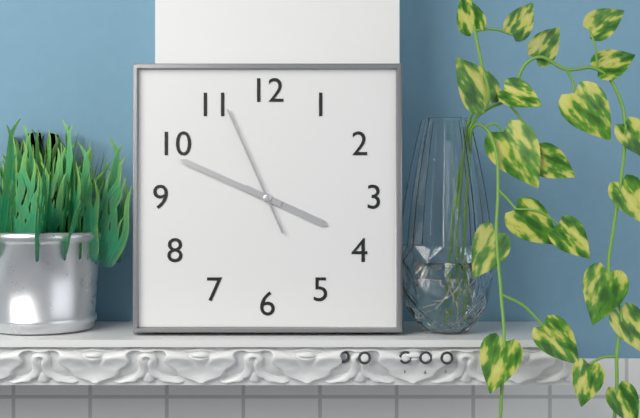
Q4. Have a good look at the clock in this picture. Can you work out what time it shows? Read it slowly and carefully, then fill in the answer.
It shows 3:49:56
